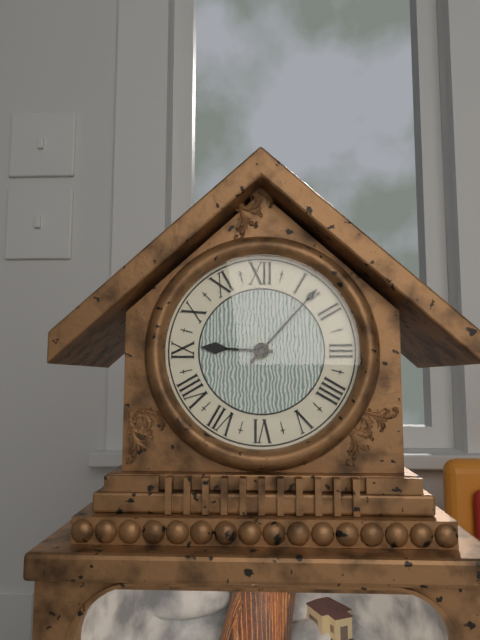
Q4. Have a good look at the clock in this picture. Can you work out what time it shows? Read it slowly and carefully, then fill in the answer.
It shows 9:07
